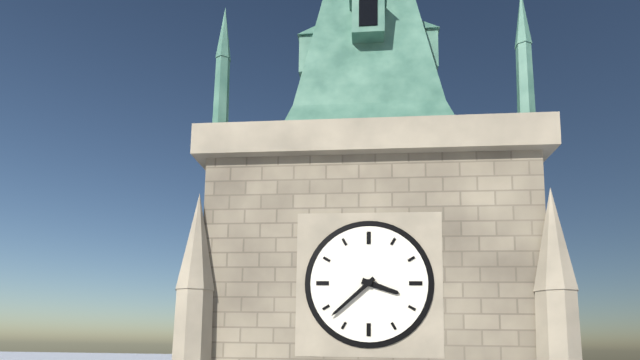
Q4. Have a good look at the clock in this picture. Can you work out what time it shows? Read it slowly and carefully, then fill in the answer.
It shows 3:38
